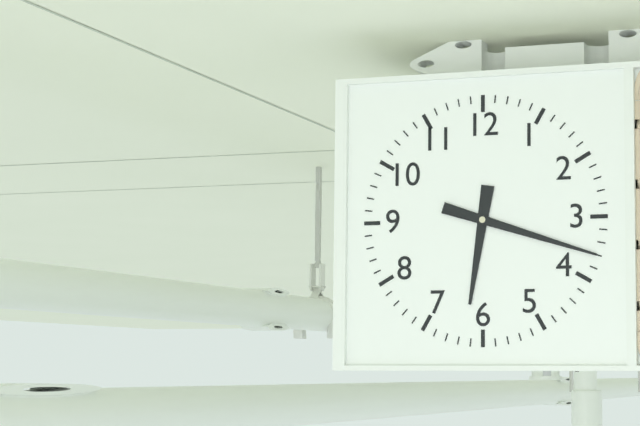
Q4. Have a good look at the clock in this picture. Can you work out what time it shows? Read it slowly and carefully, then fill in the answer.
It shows 6:18
